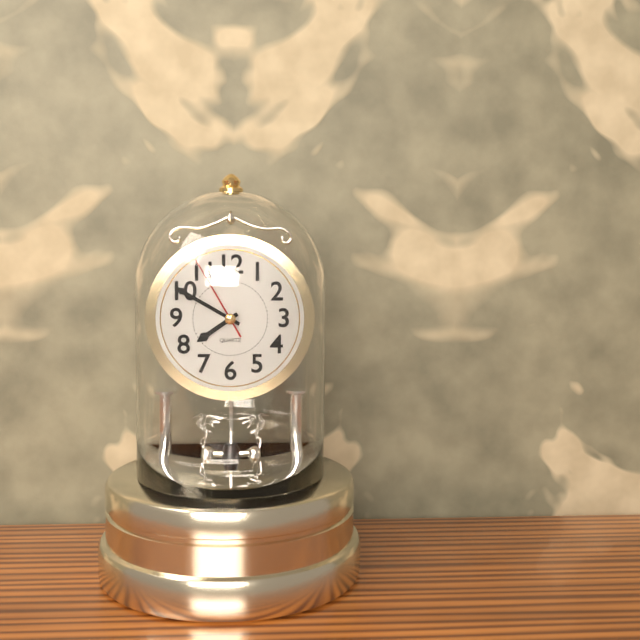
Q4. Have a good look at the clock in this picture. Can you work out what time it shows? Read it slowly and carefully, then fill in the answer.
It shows 7:50:55
